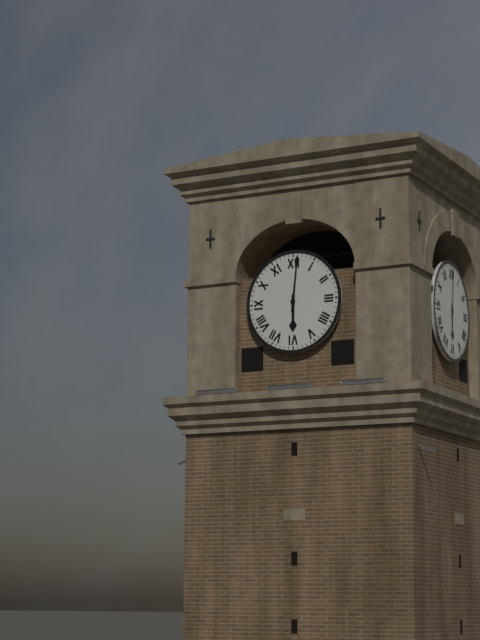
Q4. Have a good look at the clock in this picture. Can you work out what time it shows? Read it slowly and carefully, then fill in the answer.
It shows 6:01
